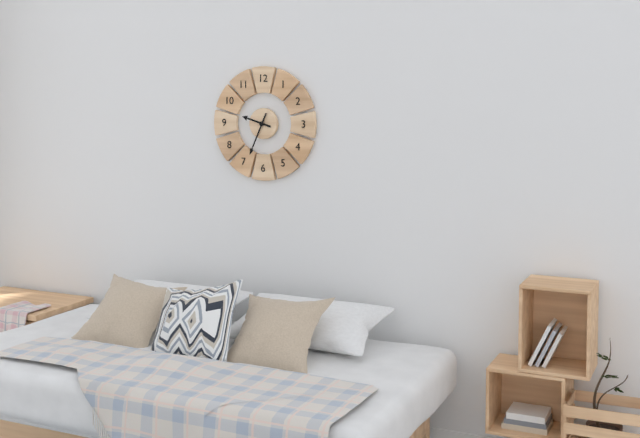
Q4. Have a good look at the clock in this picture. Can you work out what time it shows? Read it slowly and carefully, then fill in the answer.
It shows 9:34
